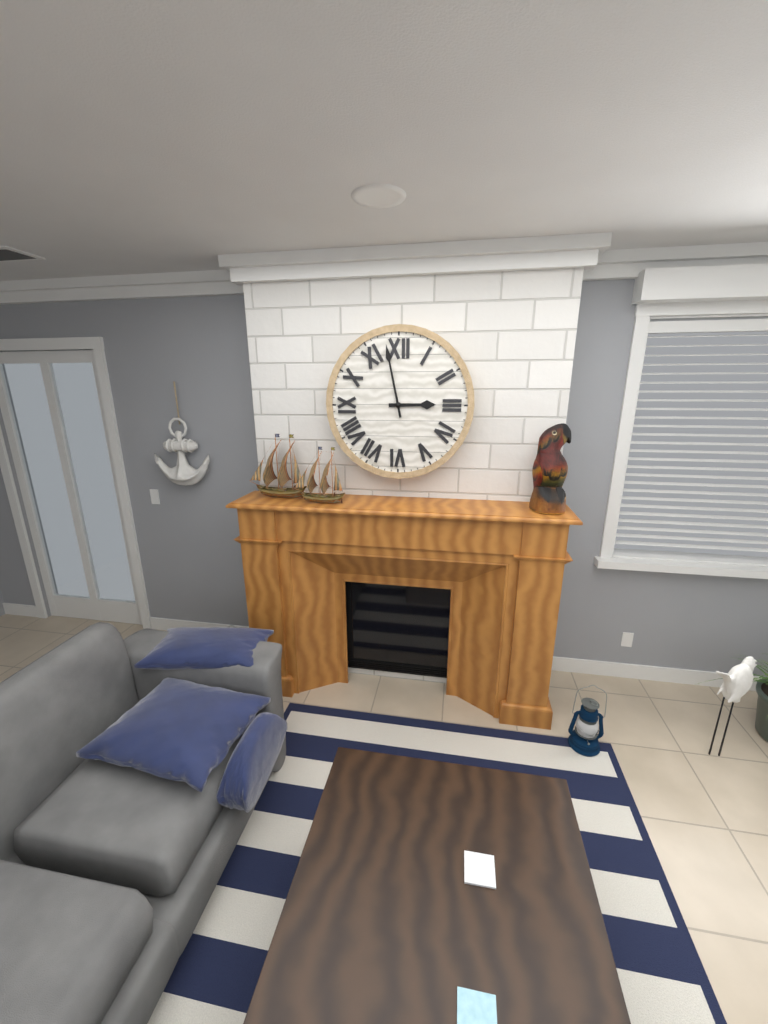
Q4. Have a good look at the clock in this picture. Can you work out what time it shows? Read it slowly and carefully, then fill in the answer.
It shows 2:58
